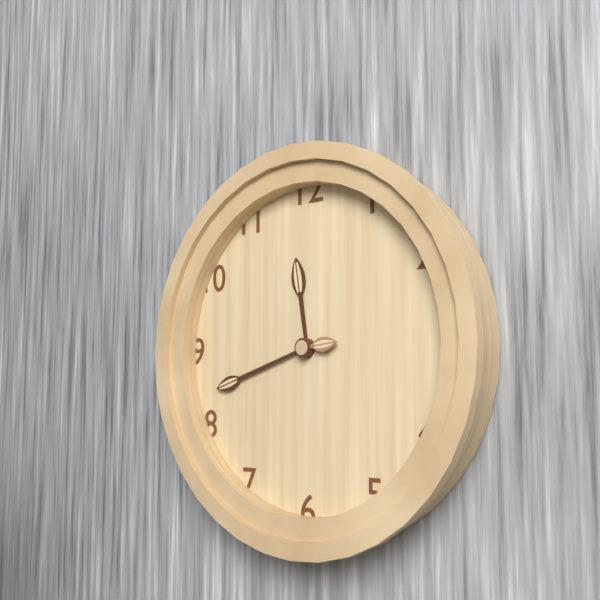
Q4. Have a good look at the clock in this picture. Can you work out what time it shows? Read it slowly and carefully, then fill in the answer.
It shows 11:42
